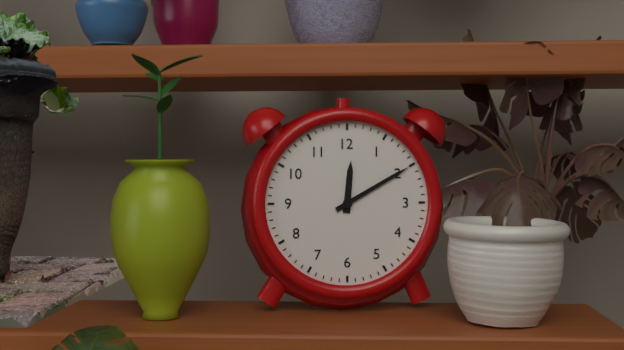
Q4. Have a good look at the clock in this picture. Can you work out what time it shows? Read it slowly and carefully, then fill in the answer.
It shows 12:10
